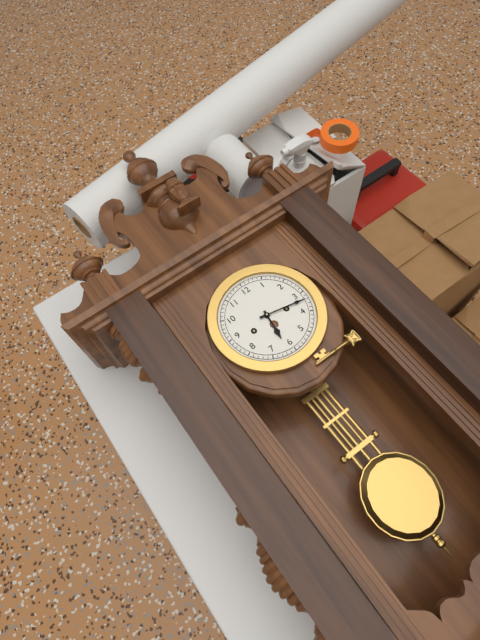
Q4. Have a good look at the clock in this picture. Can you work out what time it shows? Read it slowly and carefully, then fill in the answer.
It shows 6:17
